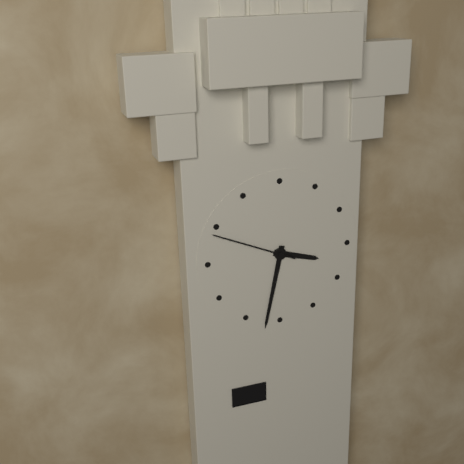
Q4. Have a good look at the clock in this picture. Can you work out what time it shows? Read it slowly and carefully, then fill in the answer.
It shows 3:32:49
